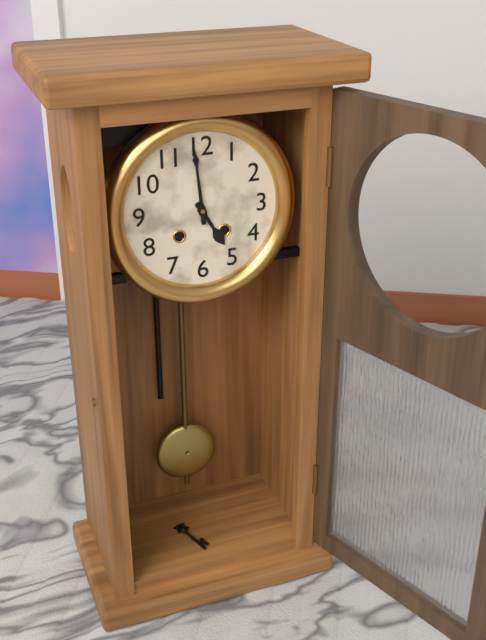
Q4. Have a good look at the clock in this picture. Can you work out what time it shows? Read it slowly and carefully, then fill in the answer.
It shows 4:59
